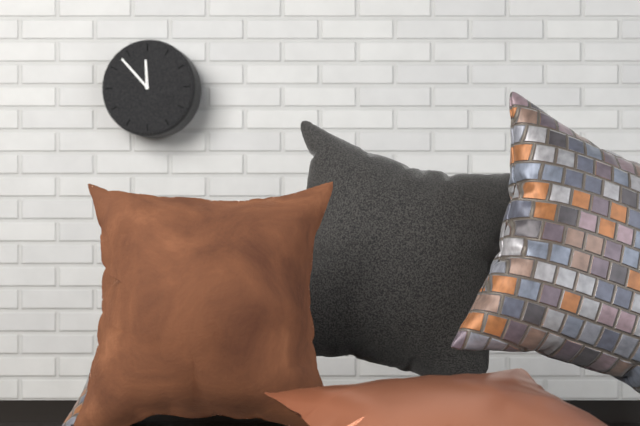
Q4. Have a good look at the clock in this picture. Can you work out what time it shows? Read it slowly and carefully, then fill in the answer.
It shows 11:53
